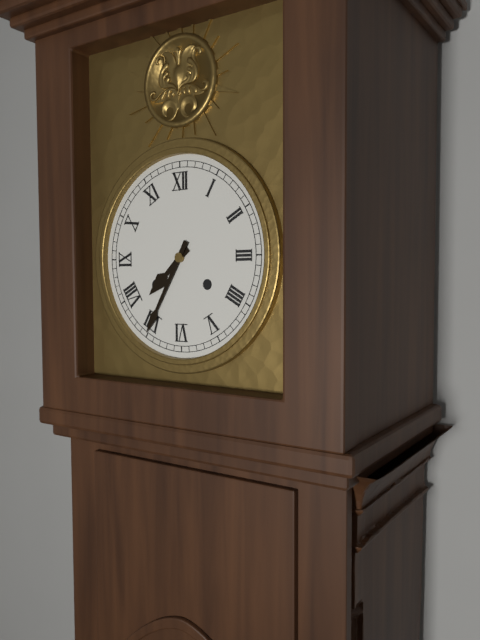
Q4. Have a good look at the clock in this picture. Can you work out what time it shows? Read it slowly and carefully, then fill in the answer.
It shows 7:35
